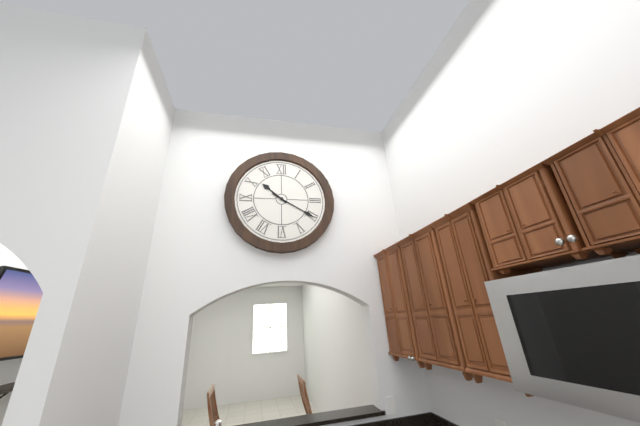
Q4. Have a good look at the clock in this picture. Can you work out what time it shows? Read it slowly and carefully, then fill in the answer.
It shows 10:20
